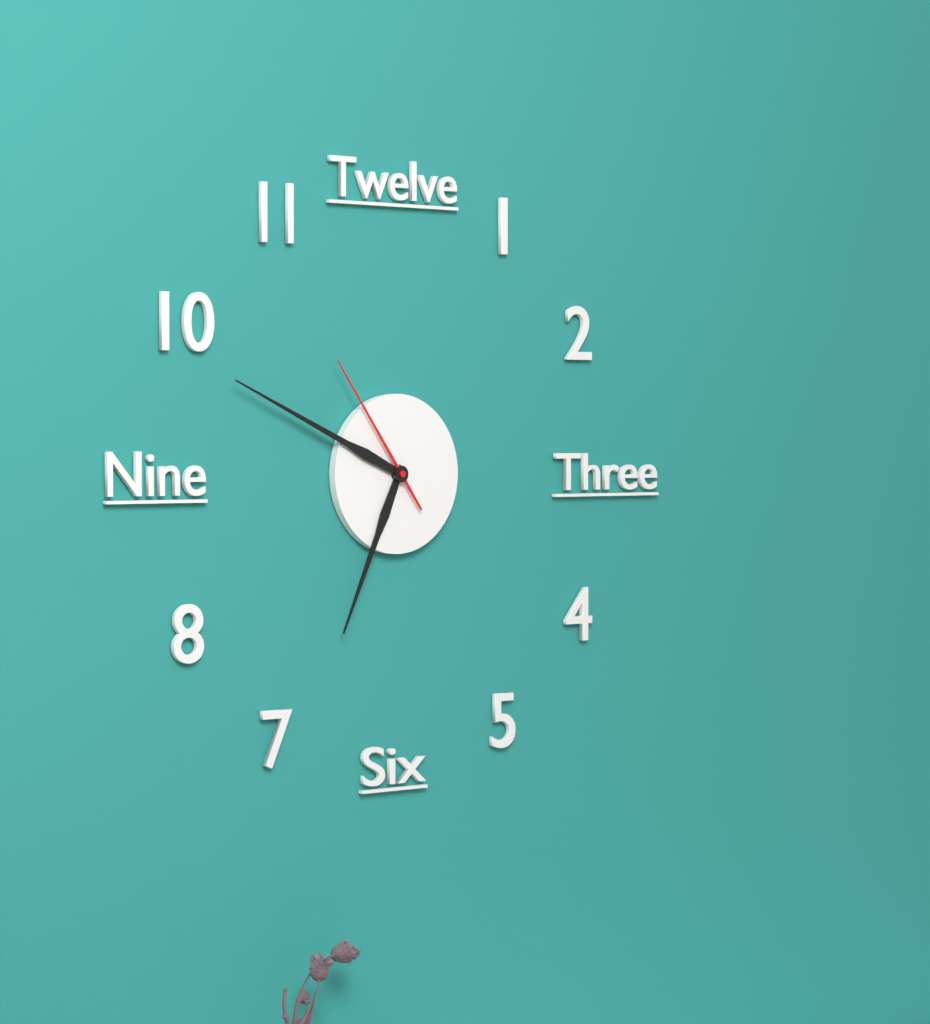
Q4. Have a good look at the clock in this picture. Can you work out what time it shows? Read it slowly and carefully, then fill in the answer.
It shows 6:49:54
